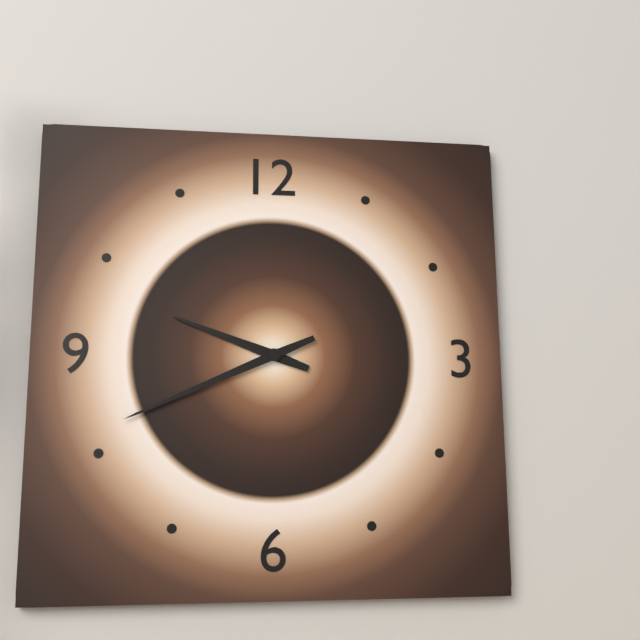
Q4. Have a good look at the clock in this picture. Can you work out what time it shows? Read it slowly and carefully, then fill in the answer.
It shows 9:41
